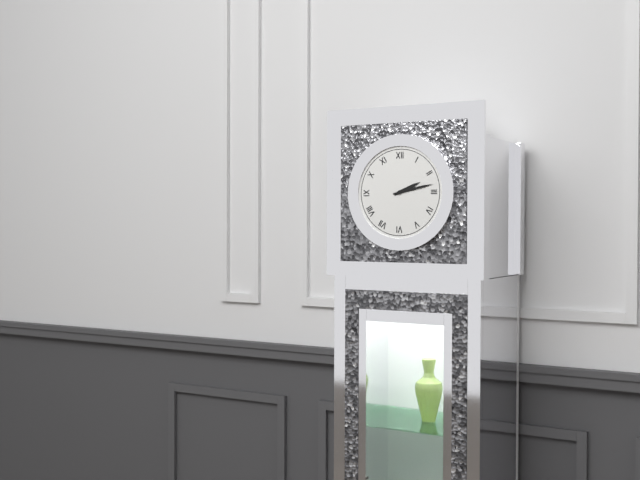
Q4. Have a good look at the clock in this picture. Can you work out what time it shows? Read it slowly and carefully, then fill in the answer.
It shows 2:13
